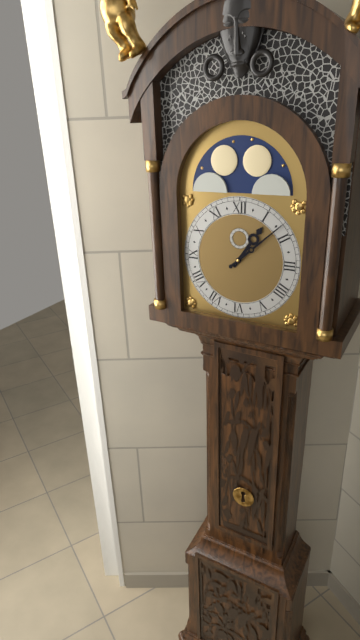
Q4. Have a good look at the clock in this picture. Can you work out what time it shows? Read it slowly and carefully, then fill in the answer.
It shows 1:08
